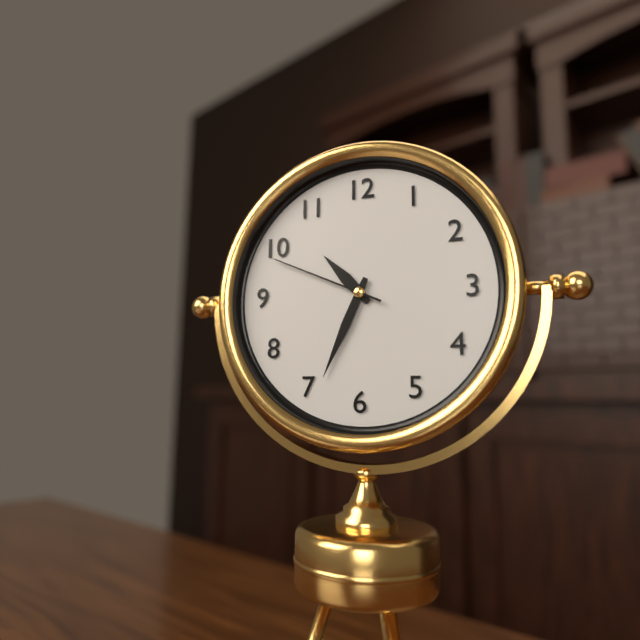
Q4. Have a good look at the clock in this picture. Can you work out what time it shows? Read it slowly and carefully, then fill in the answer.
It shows 10:34:49
